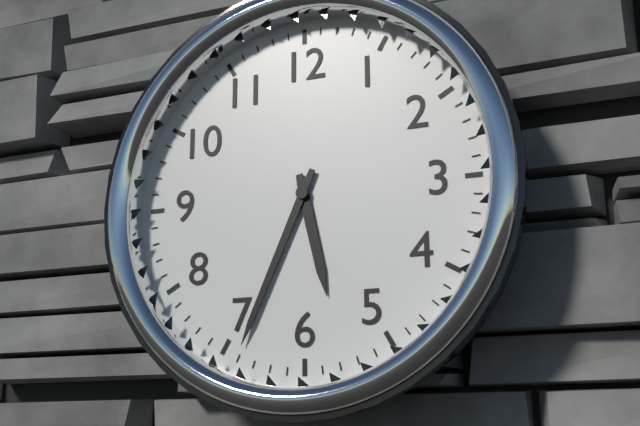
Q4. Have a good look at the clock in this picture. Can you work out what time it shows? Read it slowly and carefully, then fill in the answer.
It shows 5:34
